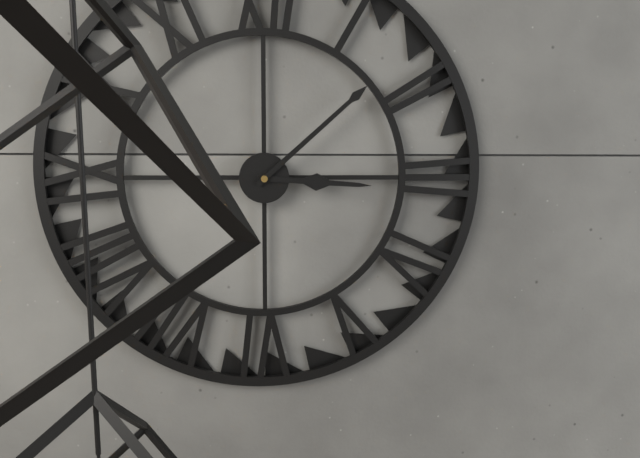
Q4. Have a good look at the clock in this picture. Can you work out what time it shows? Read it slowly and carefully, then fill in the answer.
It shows 3:08
